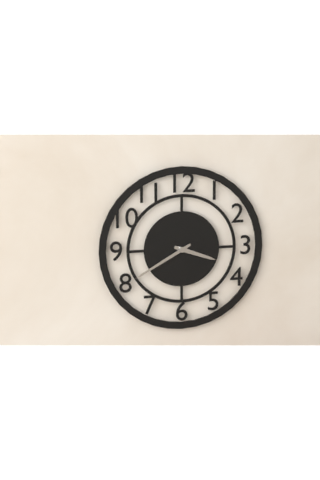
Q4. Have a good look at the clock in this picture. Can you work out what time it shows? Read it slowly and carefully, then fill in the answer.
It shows 3:40
